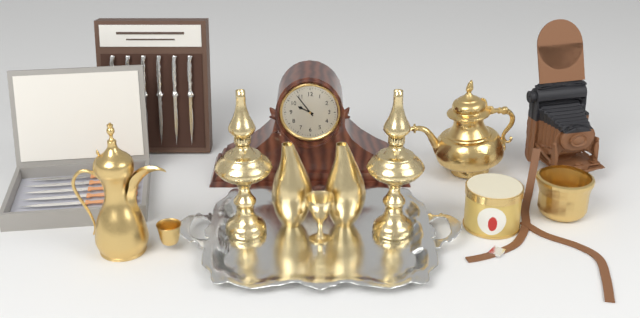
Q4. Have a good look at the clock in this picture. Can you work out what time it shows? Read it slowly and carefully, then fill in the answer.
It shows 9:54
